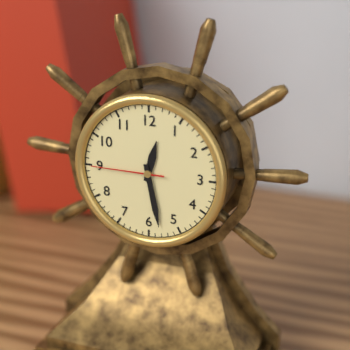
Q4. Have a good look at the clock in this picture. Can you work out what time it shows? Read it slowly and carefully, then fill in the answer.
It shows 12:28:45
